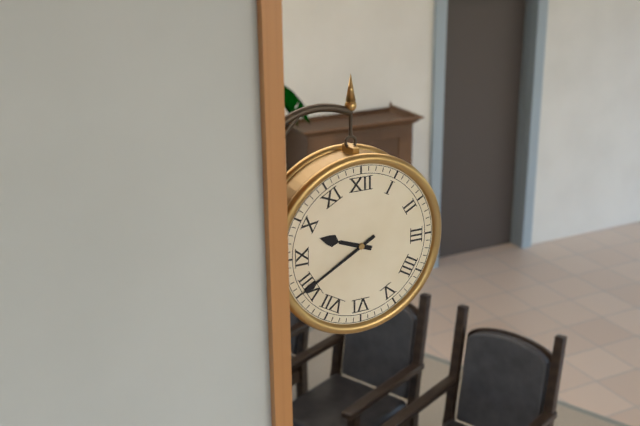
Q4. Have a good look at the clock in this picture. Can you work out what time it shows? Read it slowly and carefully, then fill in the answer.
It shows 9:40
